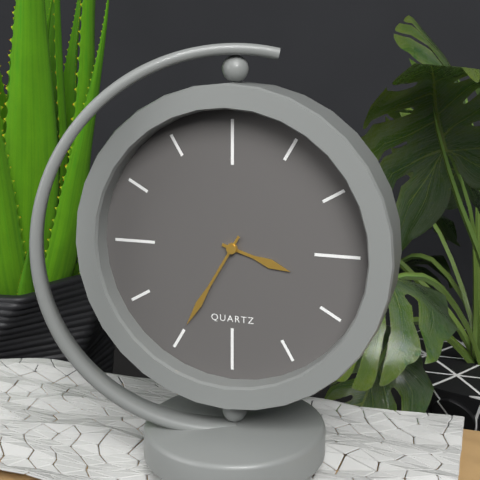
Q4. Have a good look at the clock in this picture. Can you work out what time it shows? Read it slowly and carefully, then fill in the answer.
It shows 3:35
